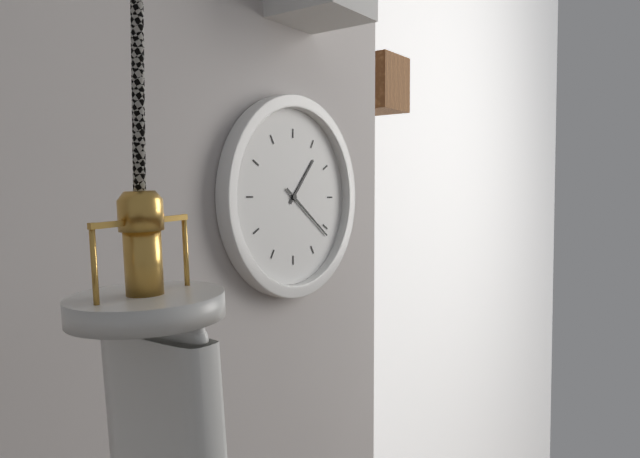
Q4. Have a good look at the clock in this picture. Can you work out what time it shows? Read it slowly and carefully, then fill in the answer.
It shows 1:21
